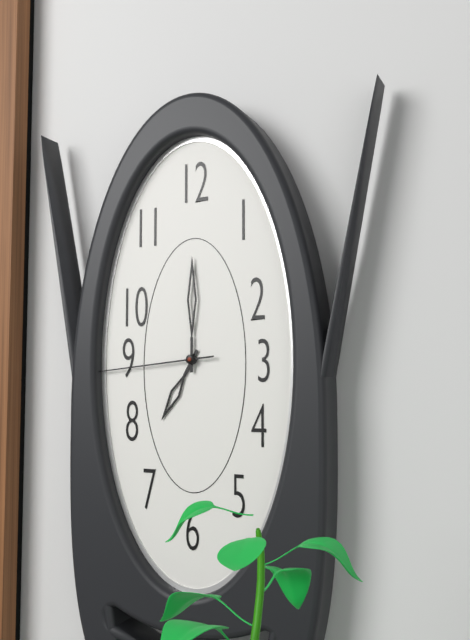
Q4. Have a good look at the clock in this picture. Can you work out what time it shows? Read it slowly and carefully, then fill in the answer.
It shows 7:00:44
